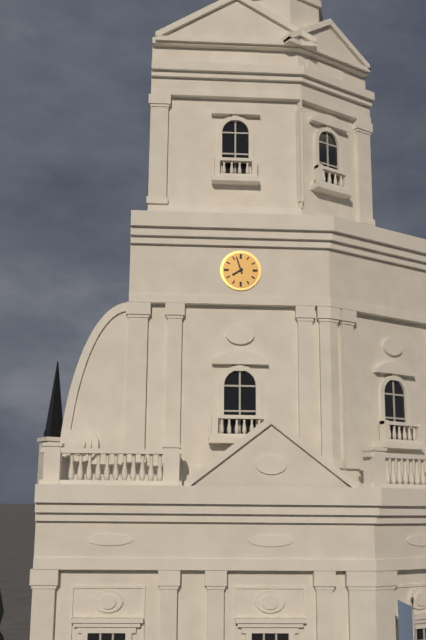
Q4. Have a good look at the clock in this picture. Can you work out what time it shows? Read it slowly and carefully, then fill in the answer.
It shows 7:57
